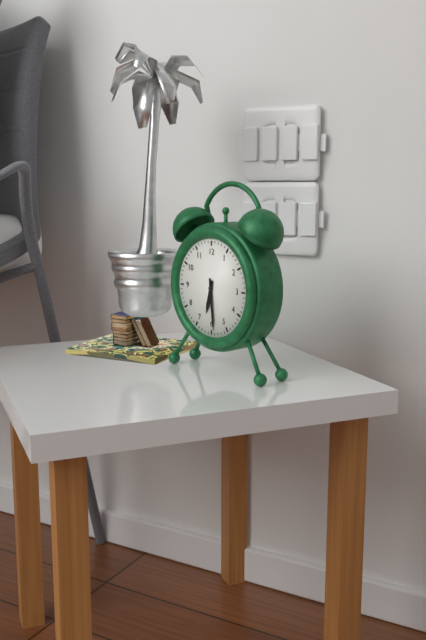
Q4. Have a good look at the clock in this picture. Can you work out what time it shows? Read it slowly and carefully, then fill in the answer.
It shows 6:29
